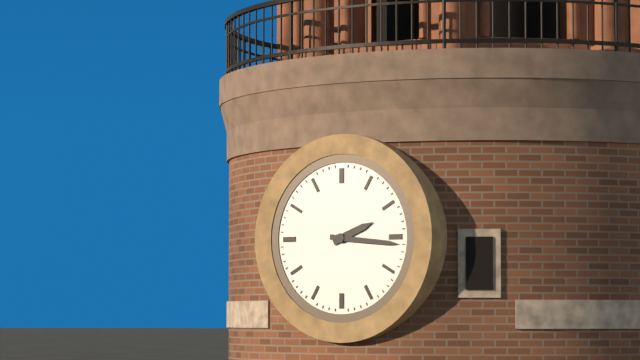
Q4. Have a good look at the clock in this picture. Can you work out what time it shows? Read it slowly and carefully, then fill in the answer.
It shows 2:16
